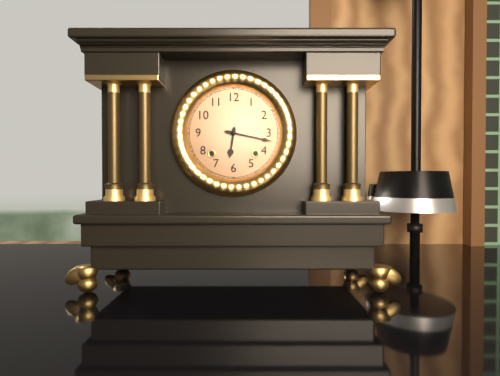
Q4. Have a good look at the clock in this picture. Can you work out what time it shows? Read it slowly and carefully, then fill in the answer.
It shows 6:17
